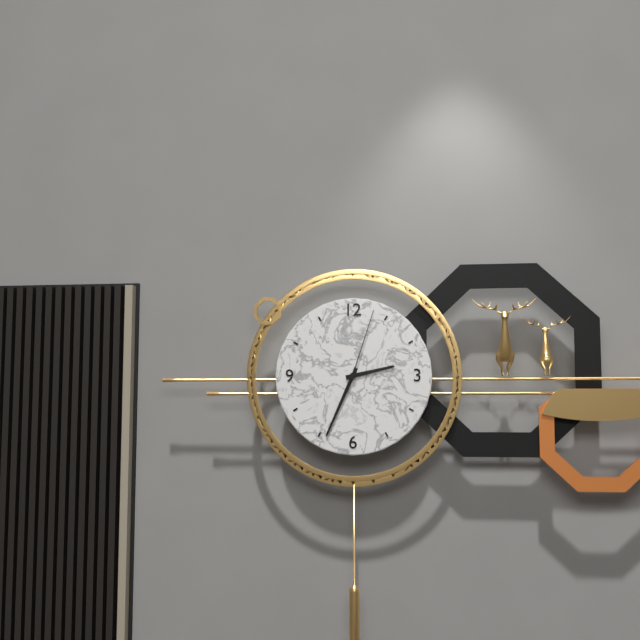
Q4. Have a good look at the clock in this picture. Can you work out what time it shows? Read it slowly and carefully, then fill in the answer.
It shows 2:34:03
